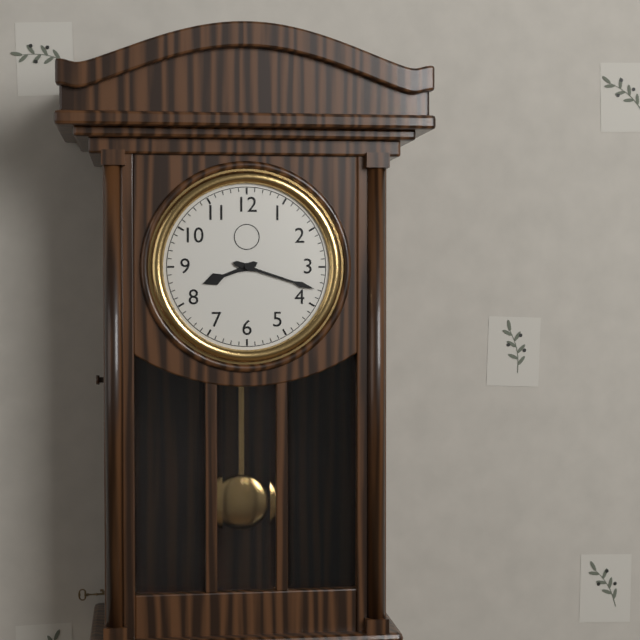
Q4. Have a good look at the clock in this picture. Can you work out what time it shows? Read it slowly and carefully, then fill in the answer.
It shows 8:18
